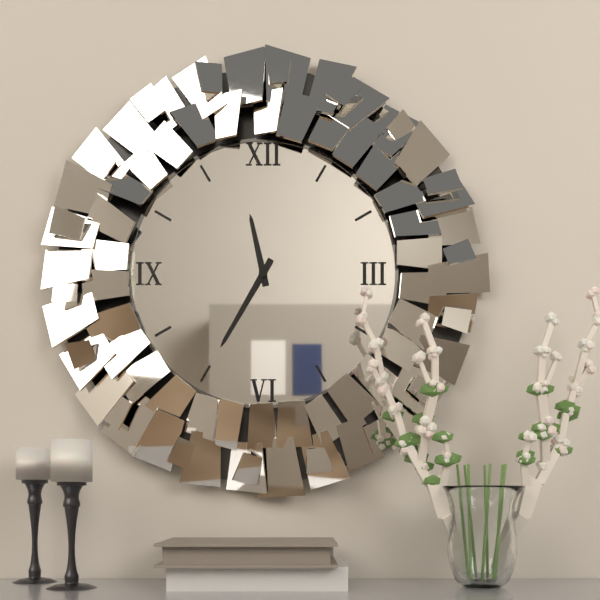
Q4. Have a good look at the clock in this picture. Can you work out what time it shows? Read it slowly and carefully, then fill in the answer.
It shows 11:35
